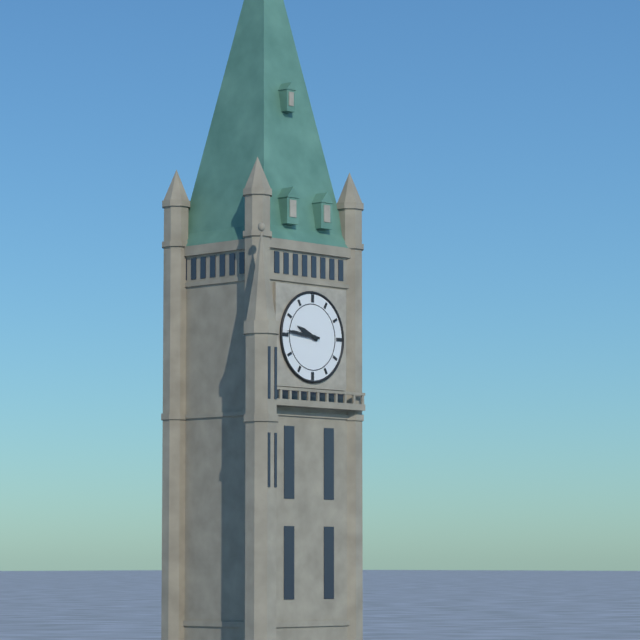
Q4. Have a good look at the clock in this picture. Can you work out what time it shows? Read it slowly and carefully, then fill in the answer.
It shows 9:46
